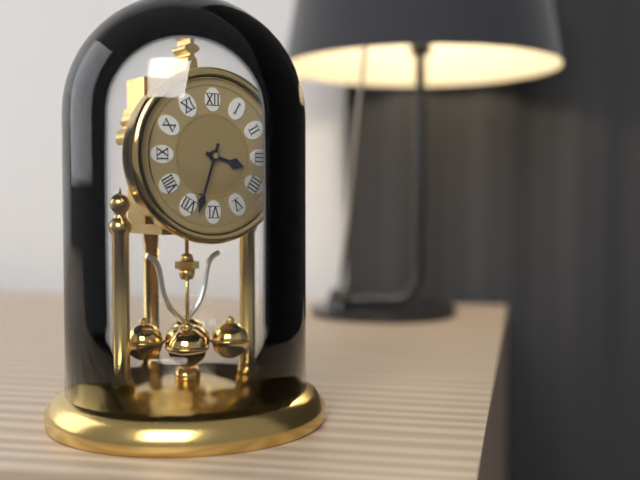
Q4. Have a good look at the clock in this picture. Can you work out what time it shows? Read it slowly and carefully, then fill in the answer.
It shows 3:33
